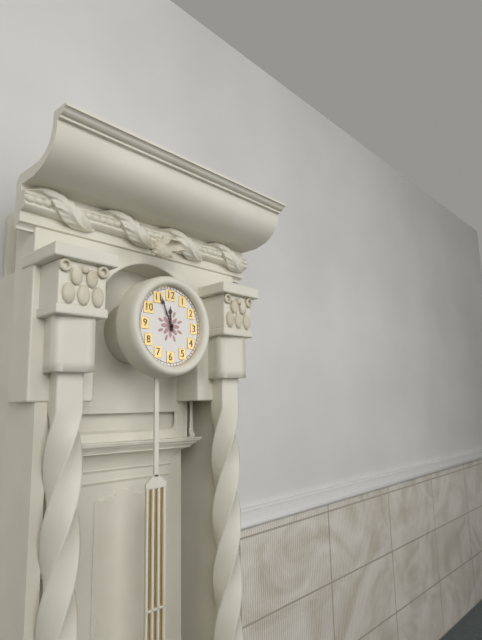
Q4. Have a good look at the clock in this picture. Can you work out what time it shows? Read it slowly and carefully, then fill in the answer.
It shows 11:56
